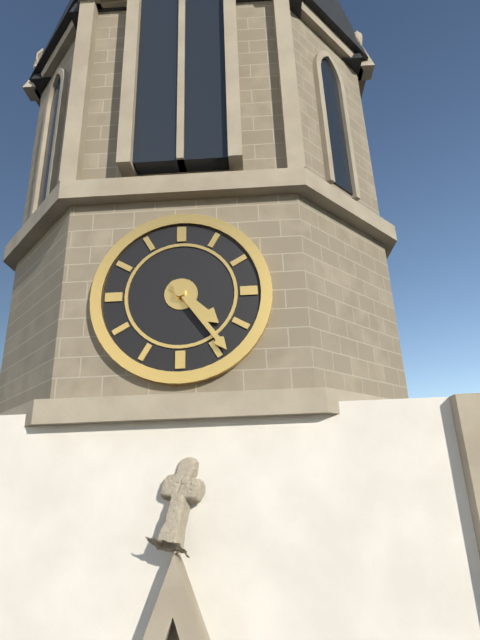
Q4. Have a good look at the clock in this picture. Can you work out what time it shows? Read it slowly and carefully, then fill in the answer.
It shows 4:24
